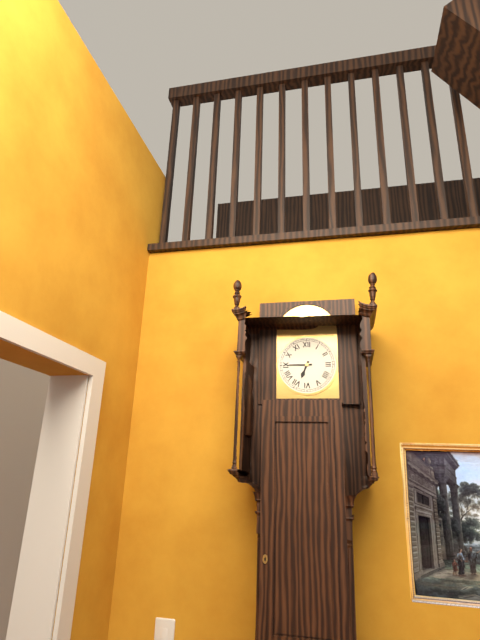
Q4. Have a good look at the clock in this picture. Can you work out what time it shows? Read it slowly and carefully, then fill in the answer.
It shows 6:45
